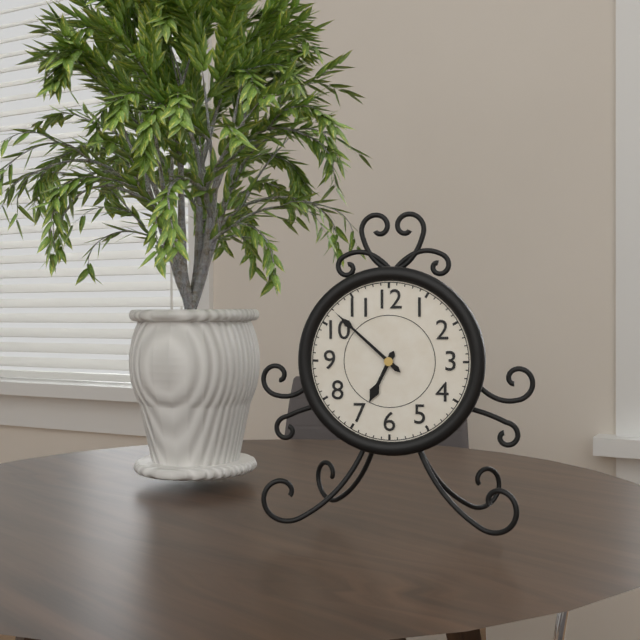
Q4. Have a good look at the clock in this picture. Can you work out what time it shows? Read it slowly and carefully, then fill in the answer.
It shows 6:52
